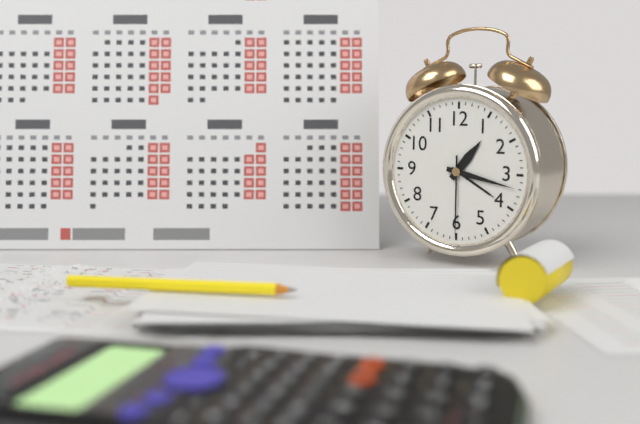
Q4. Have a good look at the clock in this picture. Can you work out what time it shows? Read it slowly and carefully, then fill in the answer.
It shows 1:17:30
